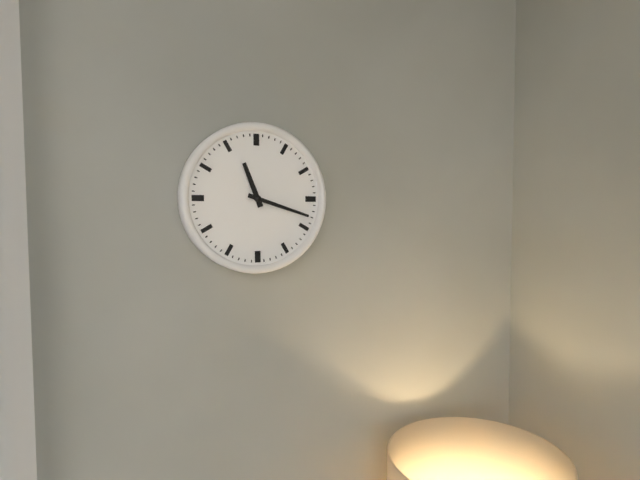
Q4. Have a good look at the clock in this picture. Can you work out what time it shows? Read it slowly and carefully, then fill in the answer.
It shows 11:18
